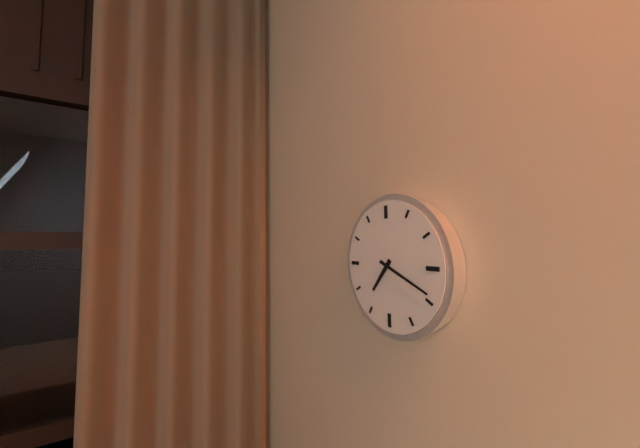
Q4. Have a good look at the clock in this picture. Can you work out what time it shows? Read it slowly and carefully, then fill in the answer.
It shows 7:19
